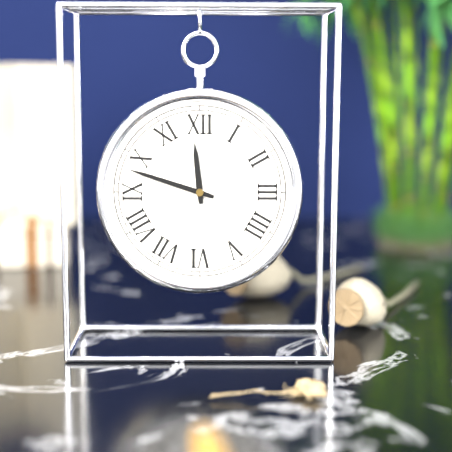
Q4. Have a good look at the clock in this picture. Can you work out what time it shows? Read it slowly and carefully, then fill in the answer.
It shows 11:48
